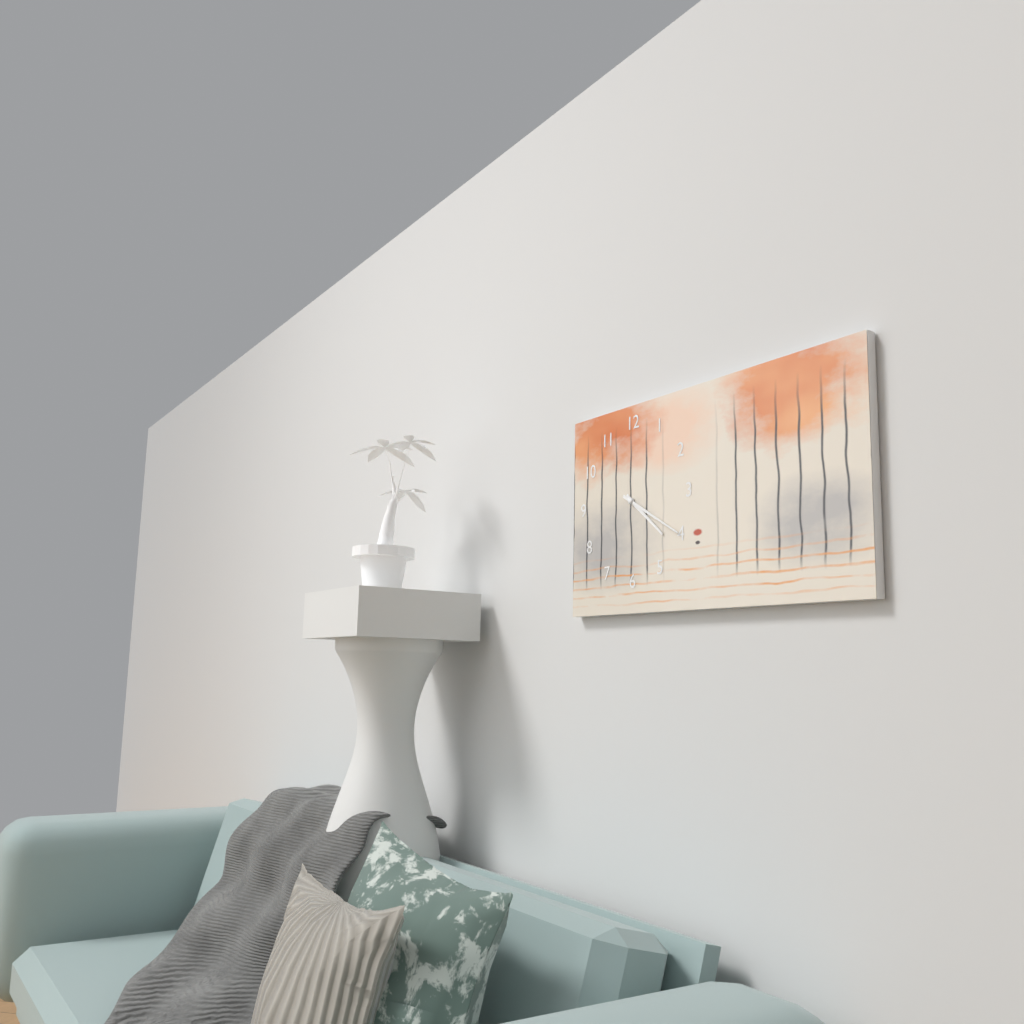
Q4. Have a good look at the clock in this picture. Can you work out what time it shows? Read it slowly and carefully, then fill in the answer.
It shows 4:20
